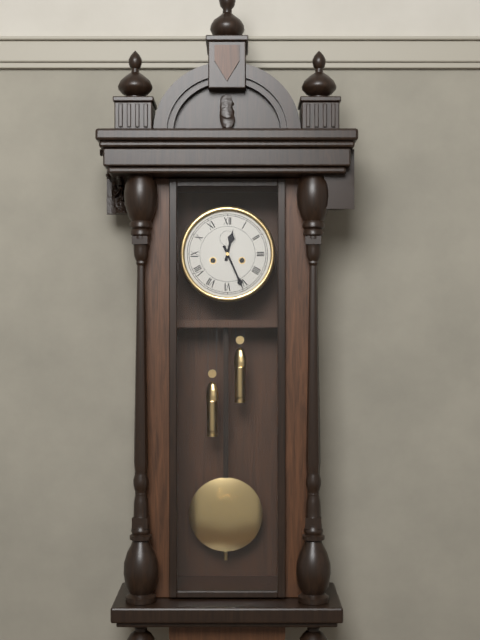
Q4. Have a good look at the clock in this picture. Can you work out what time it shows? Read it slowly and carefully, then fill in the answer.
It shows 12:26
